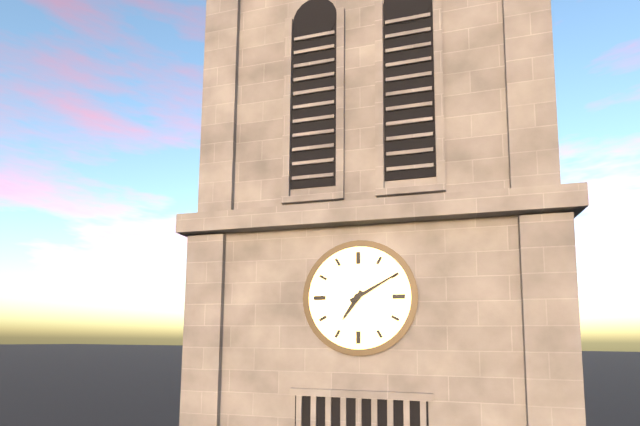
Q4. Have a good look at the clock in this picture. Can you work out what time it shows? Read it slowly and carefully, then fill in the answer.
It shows 7:10
